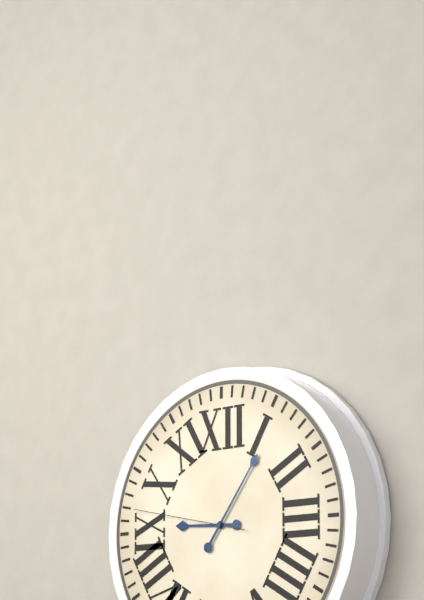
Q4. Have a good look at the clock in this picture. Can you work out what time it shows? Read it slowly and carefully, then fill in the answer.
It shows 9:06:47
